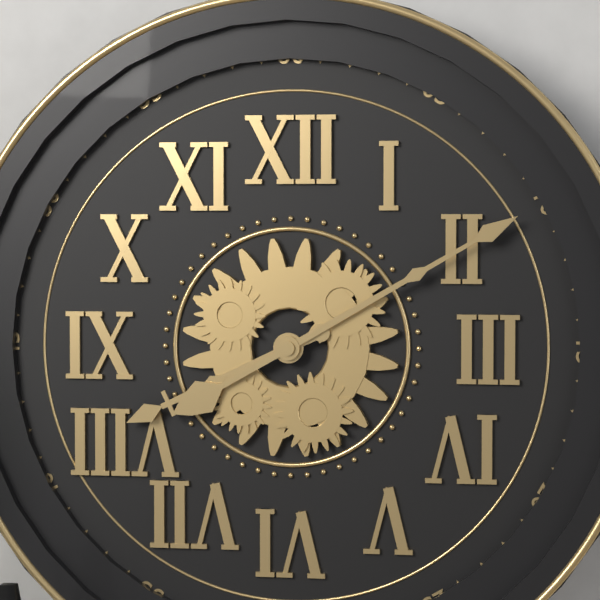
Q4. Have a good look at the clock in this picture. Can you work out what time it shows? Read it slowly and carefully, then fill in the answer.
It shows 8:10
